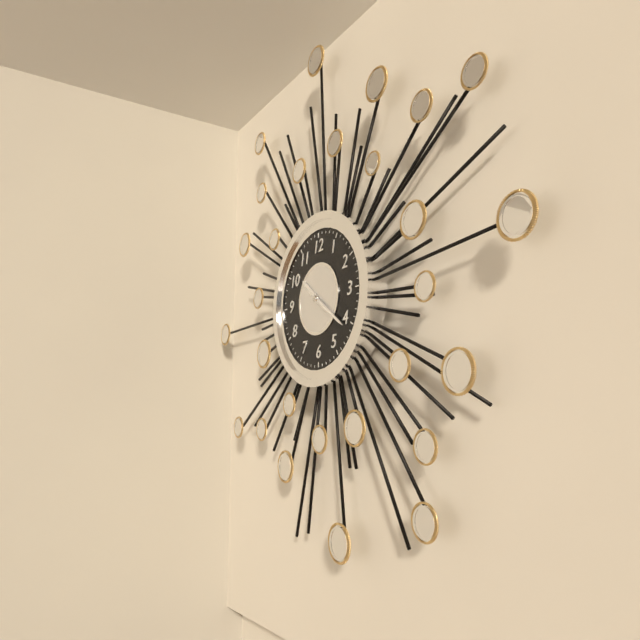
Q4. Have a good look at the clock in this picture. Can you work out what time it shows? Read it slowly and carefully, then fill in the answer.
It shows 10:21
